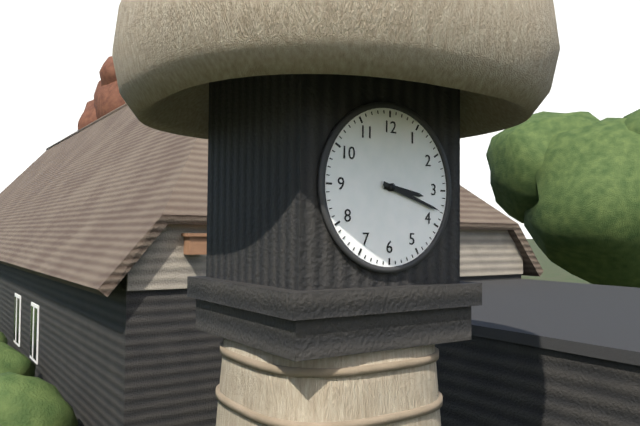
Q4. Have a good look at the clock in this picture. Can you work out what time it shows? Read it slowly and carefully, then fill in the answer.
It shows 3:18
